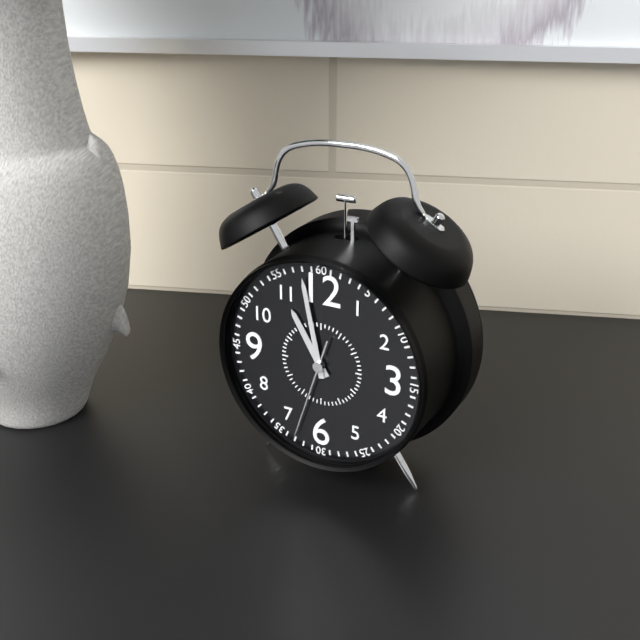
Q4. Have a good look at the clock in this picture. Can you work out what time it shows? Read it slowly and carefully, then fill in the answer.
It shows 10:58:33
